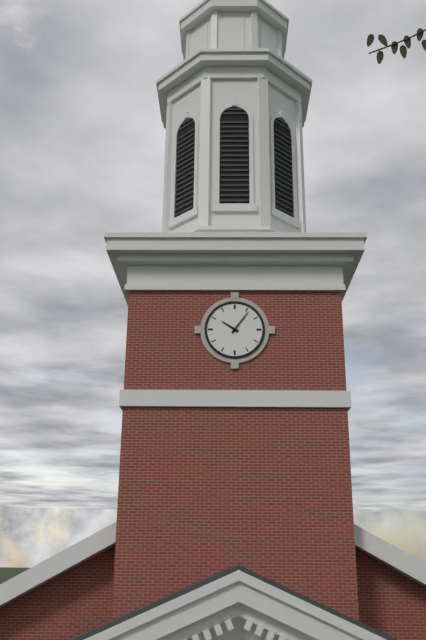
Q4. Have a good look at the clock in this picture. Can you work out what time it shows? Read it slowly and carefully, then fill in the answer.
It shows 10:06
